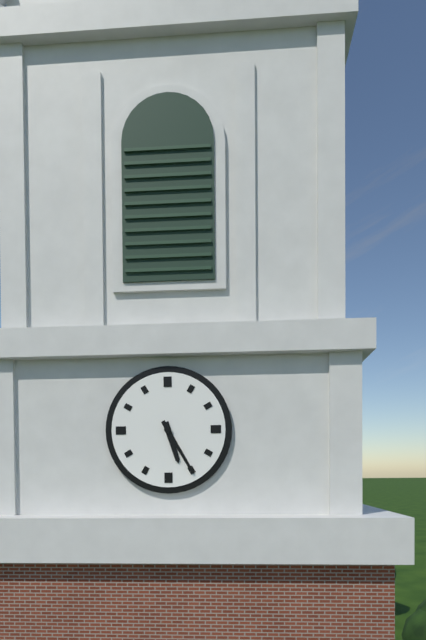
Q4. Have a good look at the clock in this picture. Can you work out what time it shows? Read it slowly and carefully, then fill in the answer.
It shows 5:25
